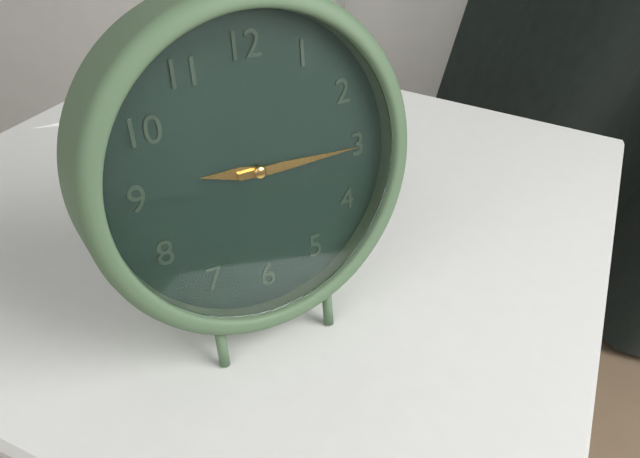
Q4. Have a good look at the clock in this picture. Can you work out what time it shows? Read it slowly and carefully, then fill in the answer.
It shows 9:15
